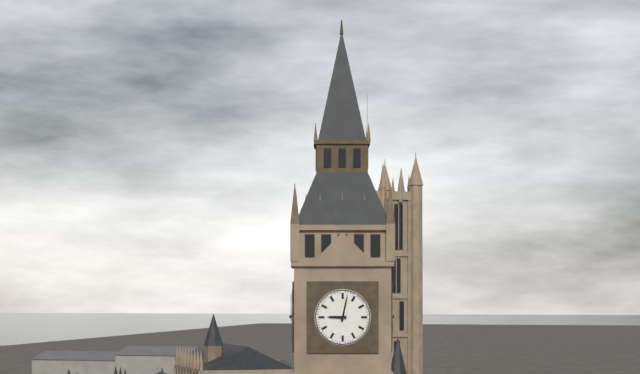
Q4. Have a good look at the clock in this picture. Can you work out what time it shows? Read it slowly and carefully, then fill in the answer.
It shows 9:02
